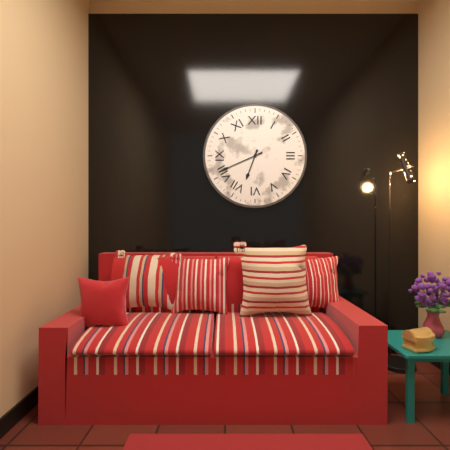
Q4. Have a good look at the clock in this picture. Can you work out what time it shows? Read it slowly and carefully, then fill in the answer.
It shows 6:41
